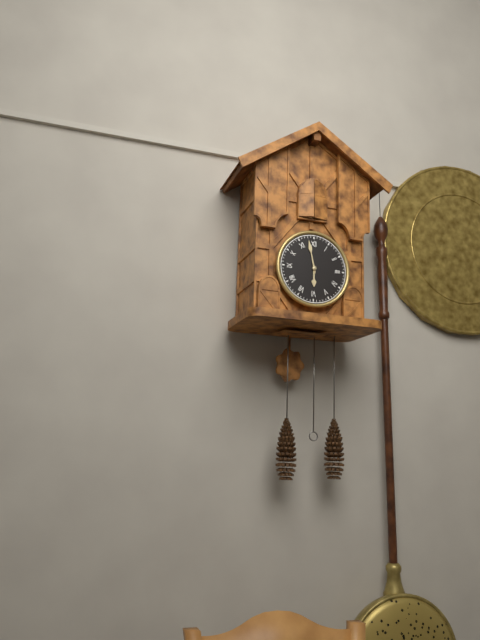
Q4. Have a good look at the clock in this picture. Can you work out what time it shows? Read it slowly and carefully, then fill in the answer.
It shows 5:58
